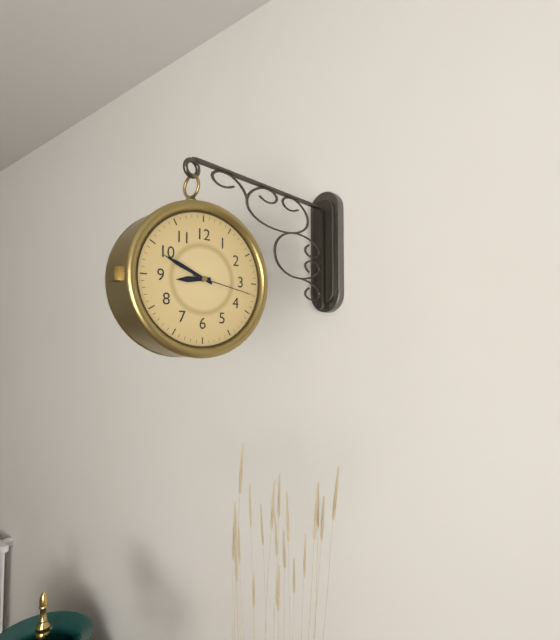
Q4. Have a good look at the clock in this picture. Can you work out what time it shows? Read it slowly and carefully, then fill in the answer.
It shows 8:49:17
